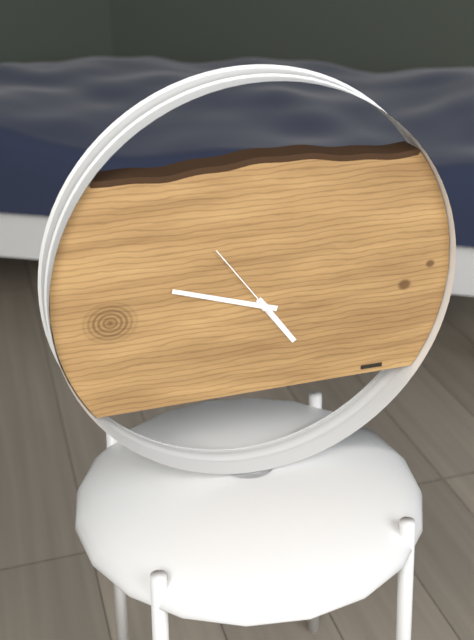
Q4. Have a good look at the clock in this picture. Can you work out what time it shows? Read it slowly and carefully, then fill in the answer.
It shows 4:48:54
